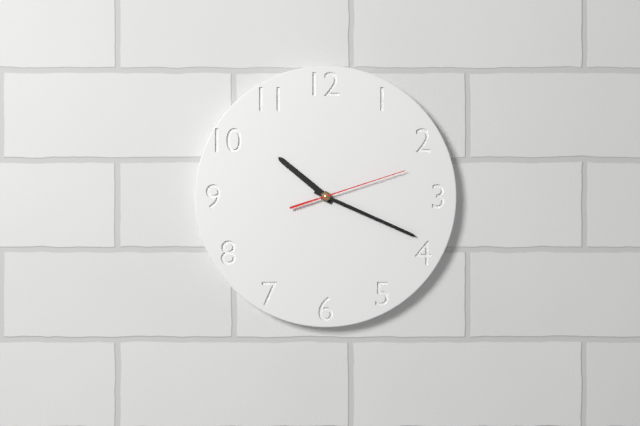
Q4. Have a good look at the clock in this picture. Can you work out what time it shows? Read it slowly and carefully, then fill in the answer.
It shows 10:19:12
